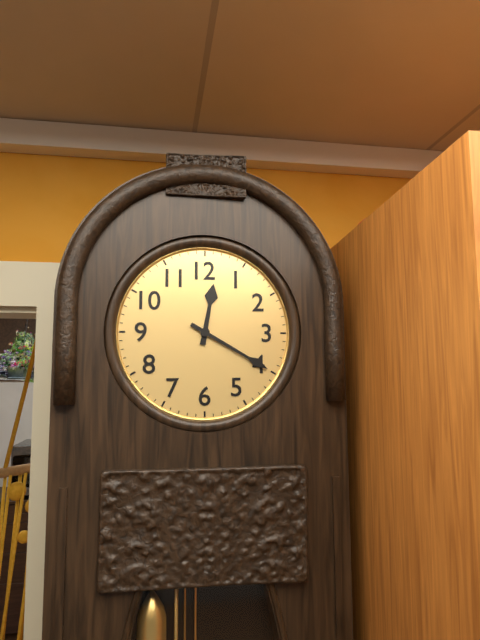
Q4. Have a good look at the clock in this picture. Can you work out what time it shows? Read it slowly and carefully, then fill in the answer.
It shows 12:20
